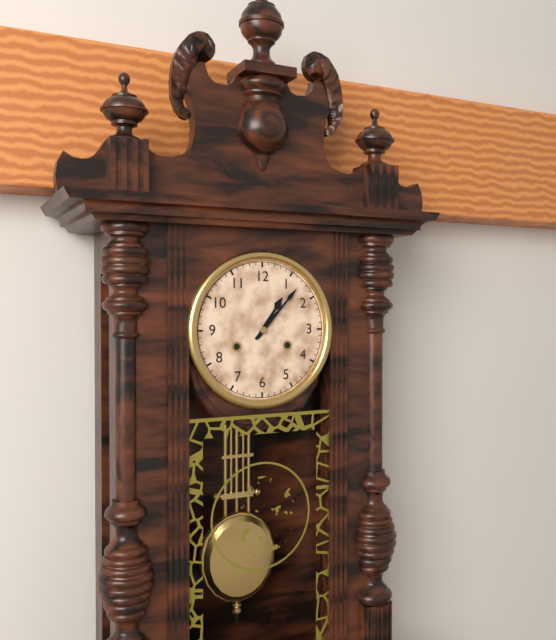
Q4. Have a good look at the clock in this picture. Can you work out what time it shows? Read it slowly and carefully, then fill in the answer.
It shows 1:07
